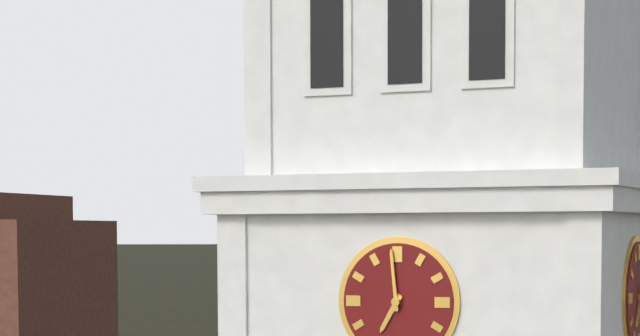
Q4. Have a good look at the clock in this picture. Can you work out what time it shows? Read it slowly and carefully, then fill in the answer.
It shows 6:59
